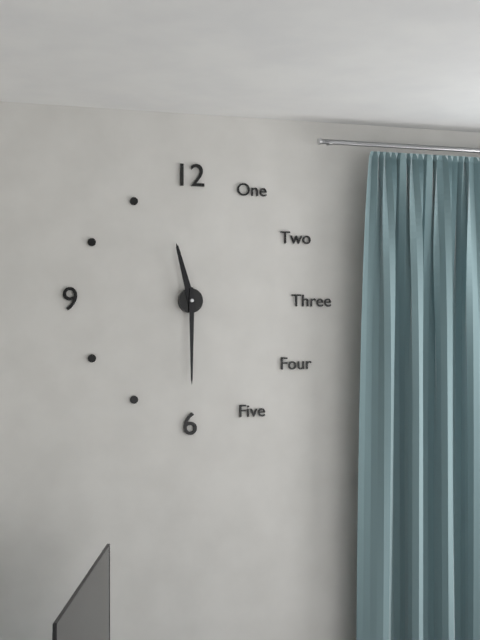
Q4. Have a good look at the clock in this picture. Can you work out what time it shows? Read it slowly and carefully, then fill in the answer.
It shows 11:30
